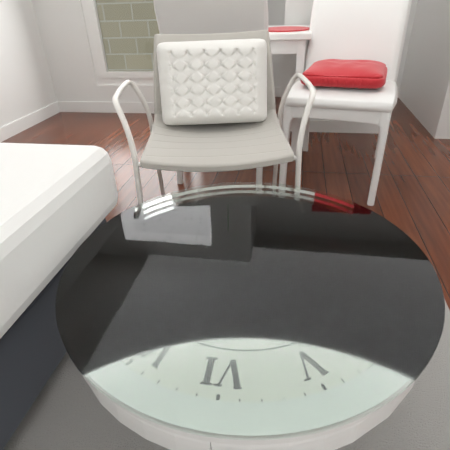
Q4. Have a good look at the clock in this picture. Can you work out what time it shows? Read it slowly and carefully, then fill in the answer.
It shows 3:08
